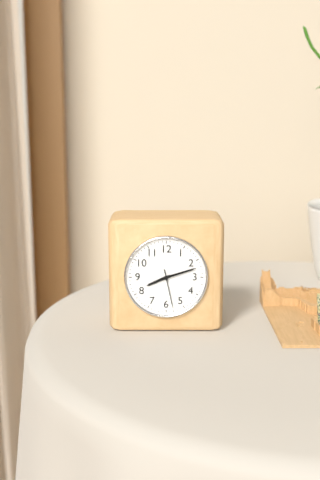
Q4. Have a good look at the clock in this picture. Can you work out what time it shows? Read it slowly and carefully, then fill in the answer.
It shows 8:12
